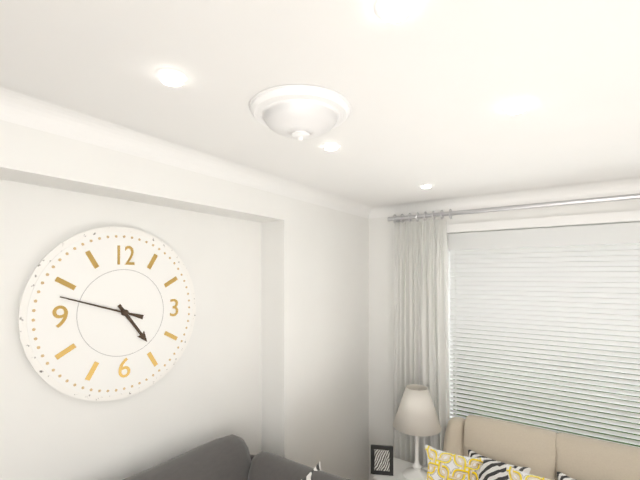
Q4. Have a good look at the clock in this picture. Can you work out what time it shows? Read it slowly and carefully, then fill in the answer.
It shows 4:48
